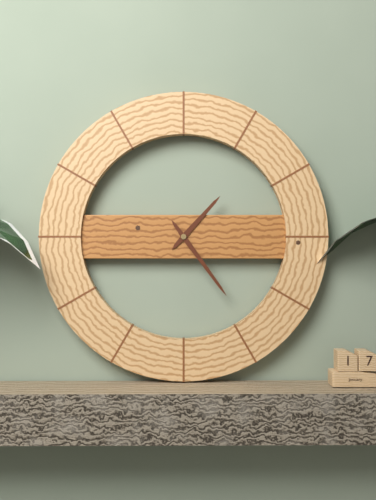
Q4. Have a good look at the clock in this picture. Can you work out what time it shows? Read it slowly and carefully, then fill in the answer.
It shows 1:24
